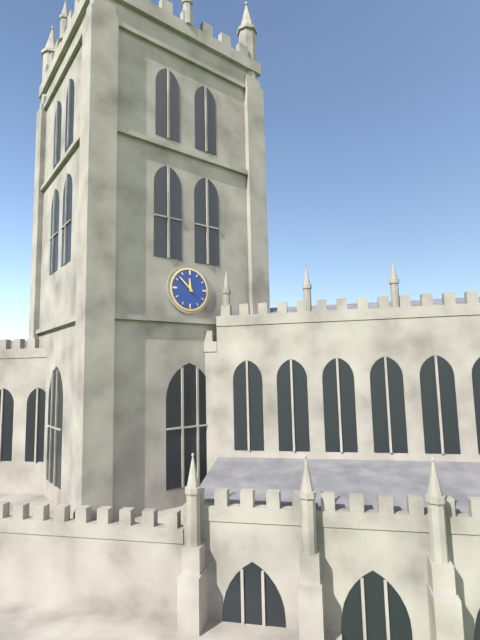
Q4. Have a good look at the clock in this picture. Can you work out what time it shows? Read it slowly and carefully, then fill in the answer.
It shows 11:52
